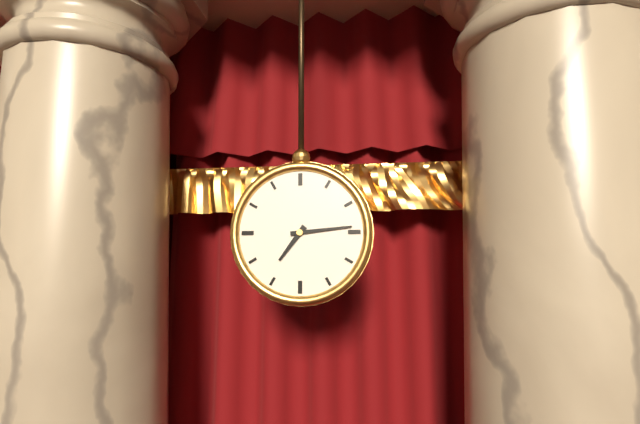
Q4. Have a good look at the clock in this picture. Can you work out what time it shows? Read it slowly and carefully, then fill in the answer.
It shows 7:14
